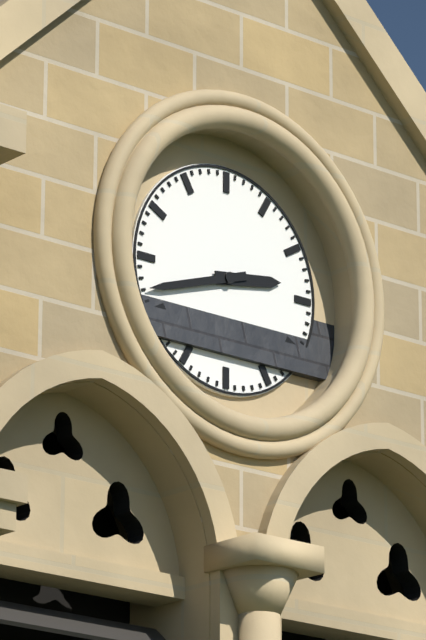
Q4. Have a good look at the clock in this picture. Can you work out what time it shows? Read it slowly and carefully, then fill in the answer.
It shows 2:42
